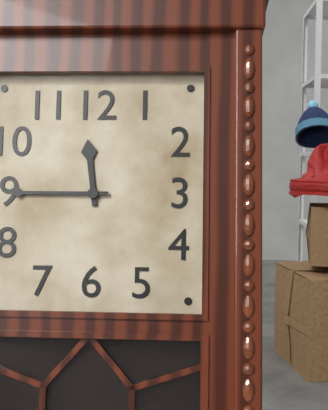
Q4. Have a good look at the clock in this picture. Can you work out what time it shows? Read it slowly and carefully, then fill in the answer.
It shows 11:45
